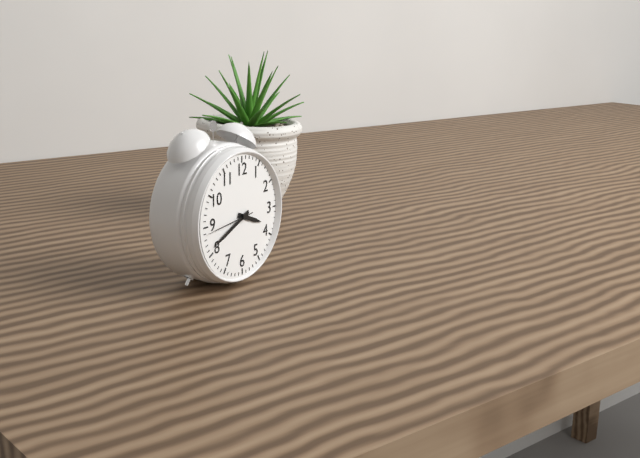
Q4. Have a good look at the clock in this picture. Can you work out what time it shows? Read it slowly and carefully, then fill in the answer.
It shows 3:41
